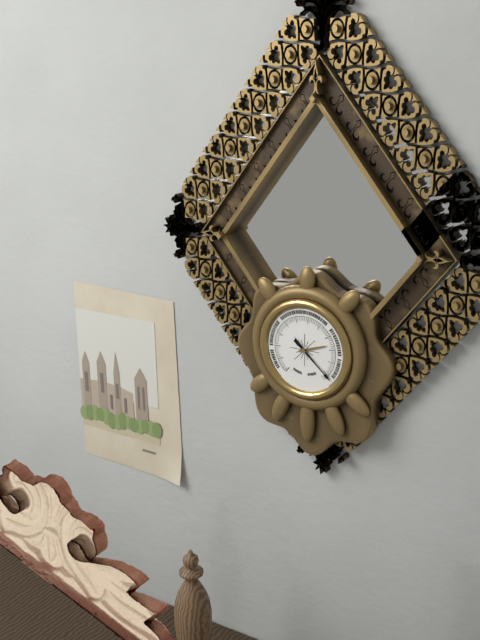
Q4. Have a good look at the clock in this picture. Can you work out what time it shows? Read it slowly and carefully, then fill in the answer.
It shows 2:22
